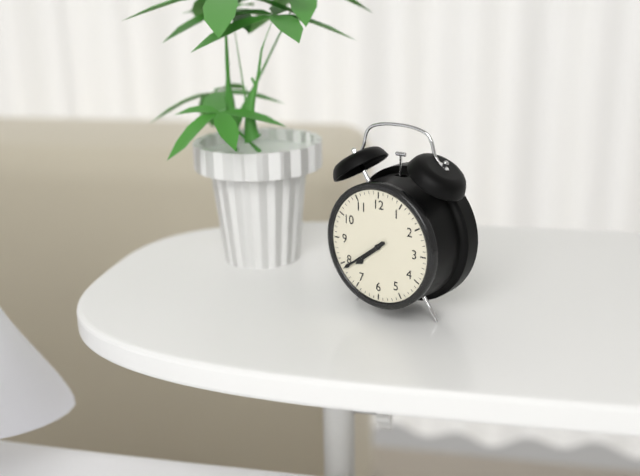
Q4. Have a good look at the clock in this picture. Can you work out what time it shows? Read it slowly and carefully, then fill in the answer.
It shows 7:39
